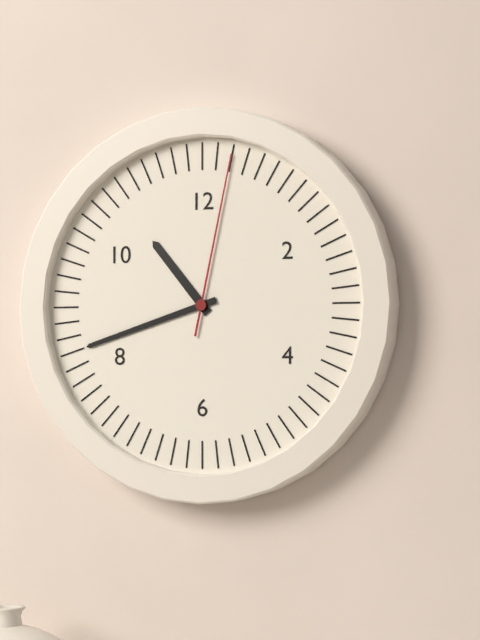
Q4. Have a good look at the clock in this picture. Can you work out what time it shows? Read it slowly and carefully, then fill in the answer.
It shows 10:42:02
